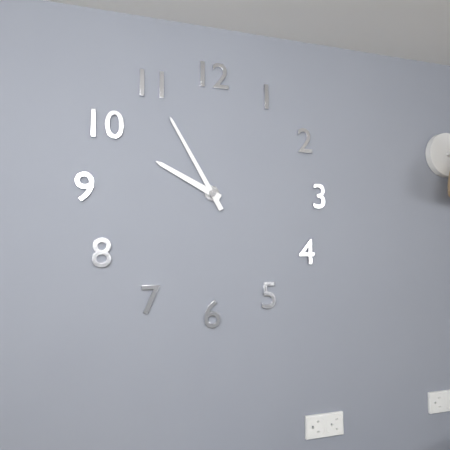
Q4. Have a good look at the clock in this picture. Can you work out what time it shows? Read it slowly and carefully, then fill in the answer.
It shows 9:55
